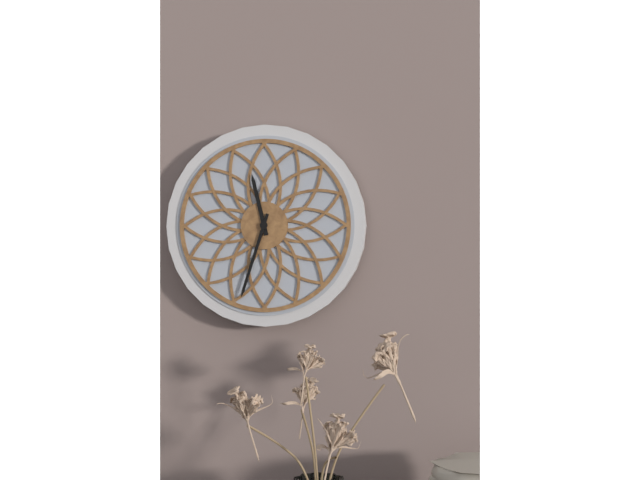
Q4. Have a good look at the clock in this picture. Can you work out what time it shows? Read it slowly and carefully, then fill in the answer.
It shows 11:33
